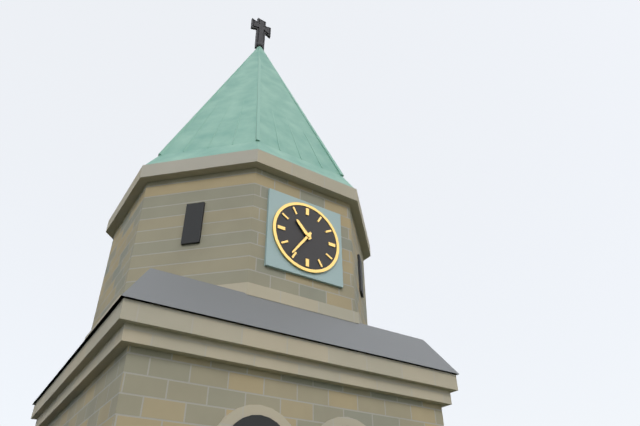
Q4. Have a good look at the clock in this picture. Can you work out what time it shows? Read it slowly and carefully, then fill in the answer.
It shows 10:36
